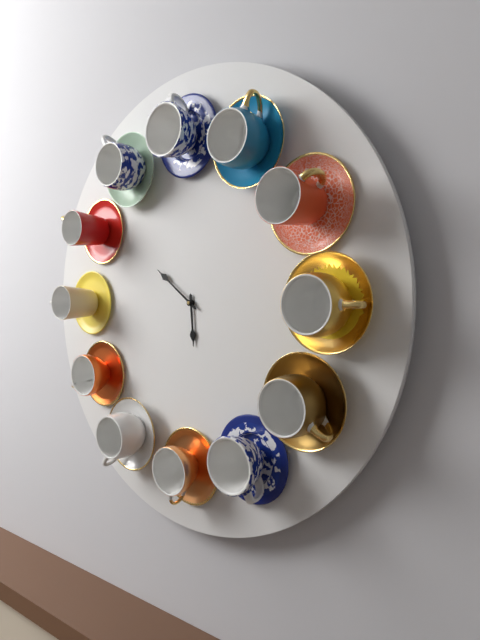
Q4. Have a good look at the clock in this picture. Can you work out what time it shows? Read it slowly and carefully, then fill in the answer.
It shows 5:51
